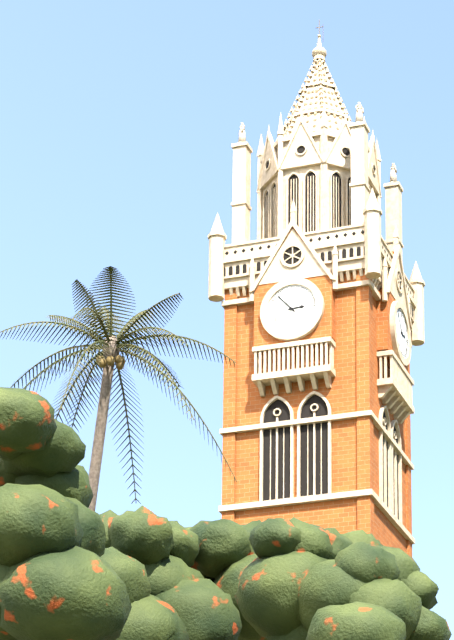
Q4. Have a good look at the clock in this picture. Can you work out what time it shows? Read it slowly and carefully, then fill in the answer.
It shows 2:53
